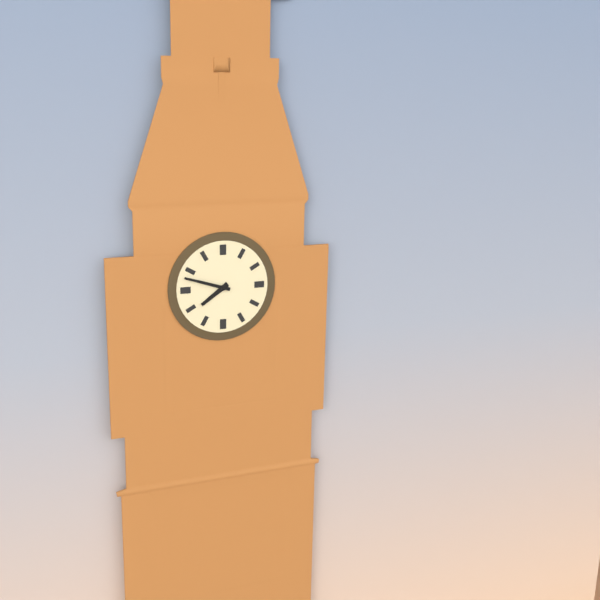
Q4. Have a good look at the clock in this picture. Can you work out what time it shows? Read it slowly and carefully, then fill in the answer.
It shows 7:48
